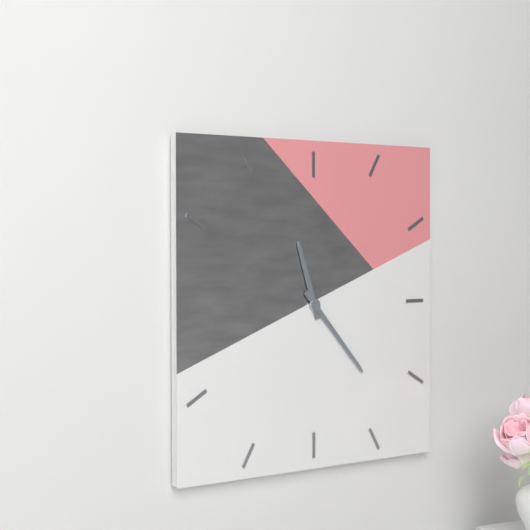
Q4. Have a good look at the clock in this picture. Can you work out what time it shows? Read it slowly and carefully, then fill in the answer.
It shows 11:23
